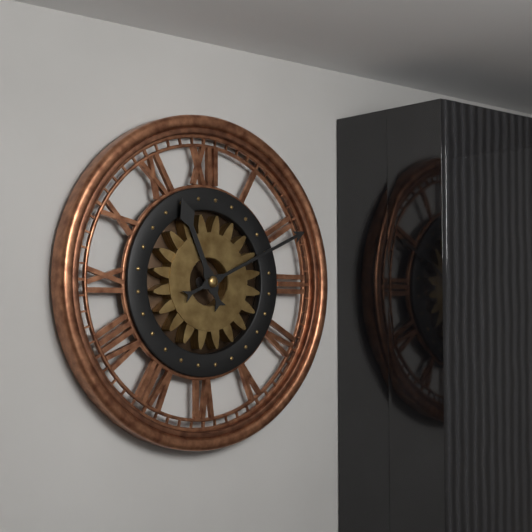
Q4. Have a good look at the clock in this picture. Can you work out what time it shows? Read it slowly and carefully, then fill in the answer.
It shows 11:11
